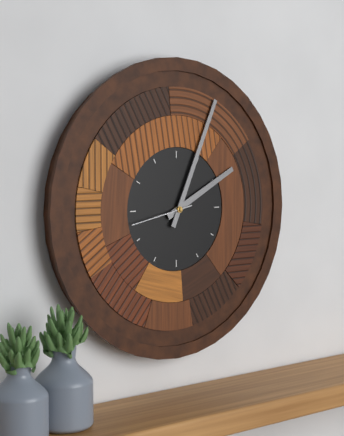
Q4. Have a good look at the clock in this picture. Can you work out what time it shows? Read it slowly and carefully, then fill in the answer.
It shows 2:04:43
